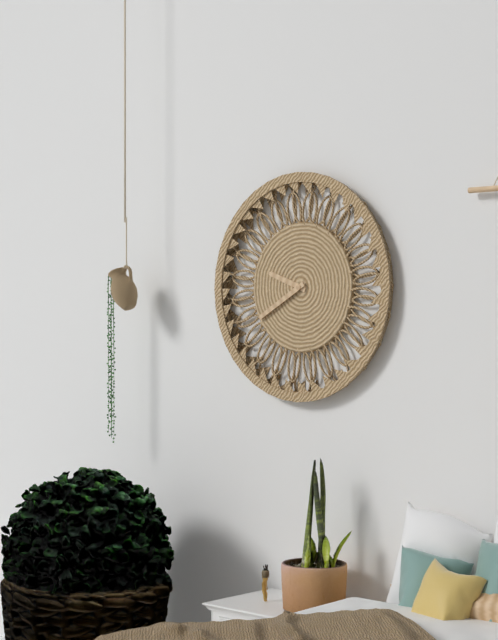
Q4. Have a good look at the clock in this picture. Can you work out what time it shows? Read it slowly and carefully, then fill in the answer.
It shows 9:40
